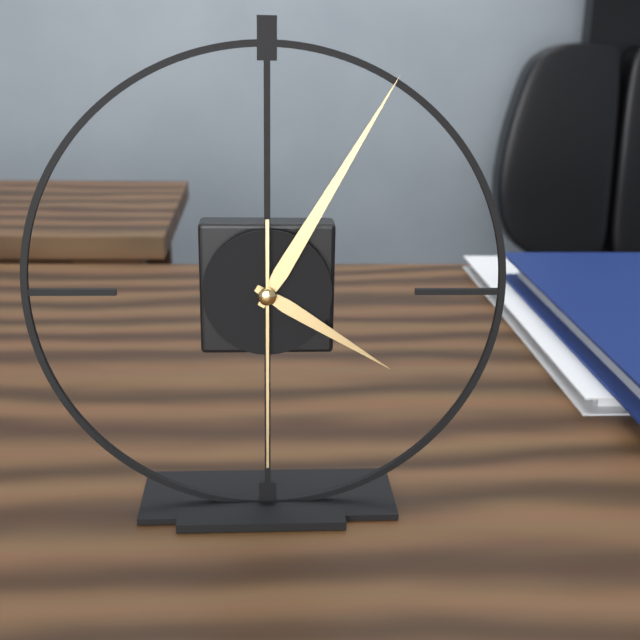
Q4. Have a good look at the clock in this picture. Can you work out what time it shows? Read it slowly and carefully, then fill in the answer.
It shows 4:05:30
